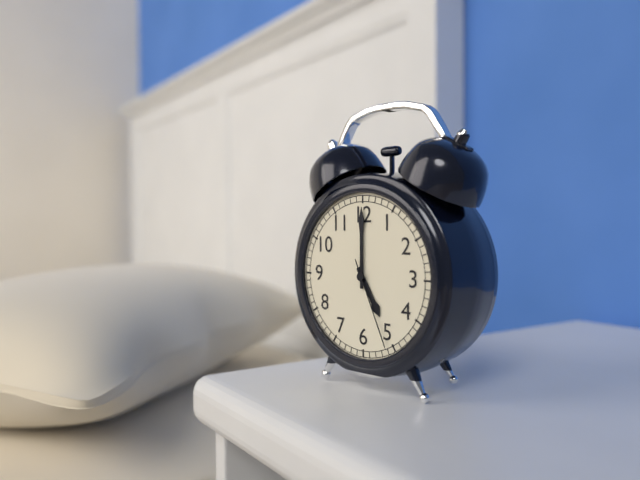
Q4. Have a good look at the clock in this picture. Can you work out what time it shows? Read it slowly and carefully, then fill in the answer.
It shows 5:00:26
